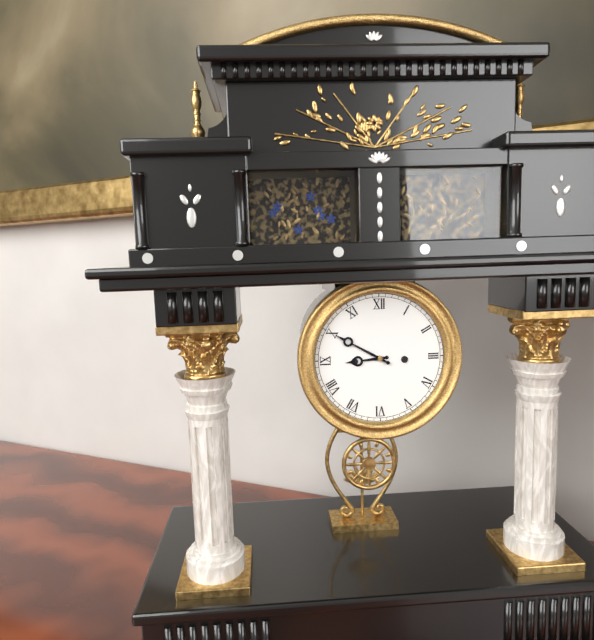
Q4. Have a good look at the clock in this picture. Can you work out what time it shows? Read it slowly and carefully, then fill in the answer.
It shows 8:50
